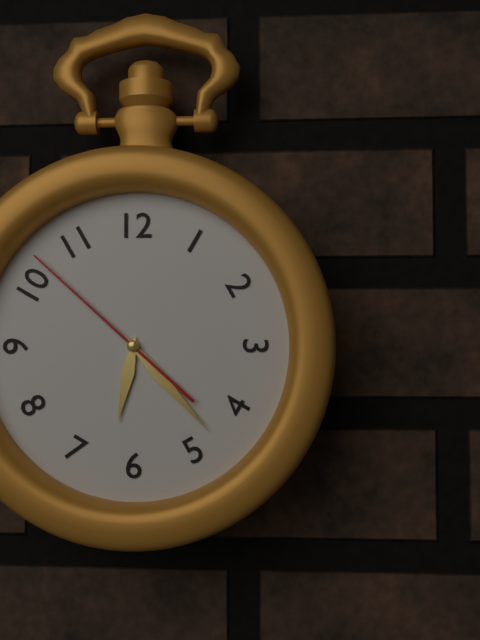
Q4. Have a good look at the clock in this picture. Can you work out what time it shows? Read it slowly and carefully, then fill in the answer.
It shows 6:23:52
